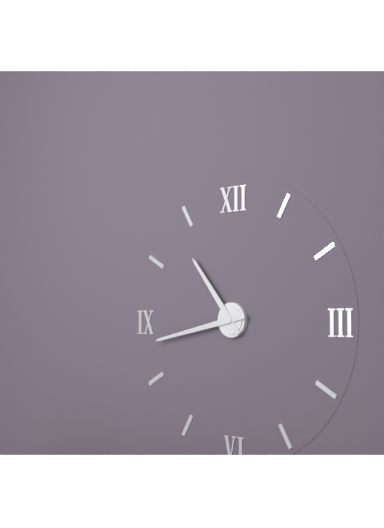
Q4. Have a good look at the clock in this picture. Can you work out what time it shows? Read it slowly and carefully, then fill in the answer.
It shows 10:43
